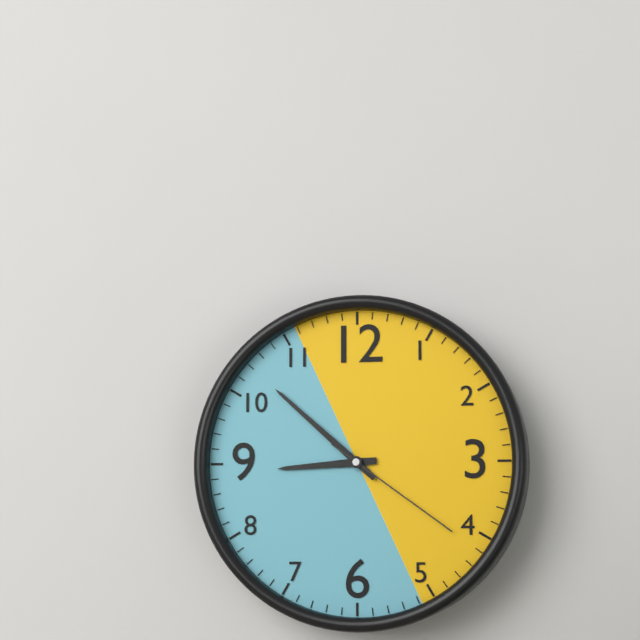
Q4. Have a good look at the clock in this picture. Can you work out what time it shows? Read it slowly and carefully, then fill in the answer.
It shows 8:52:21
